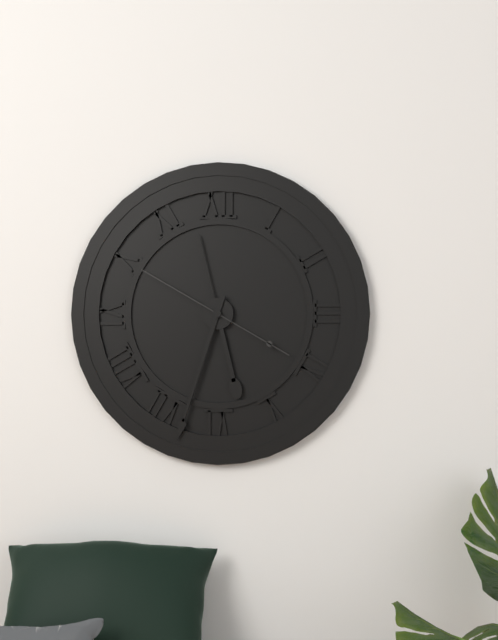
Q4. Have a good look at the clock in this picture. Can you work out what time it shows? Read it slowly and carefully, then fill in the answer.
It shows 5:33:50
